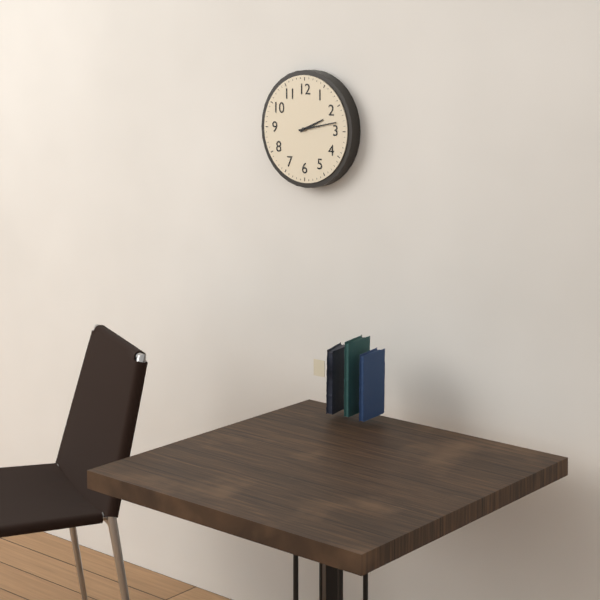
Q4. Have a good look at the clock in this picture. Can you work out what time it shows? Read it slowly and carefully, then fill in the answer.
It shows 2:13
